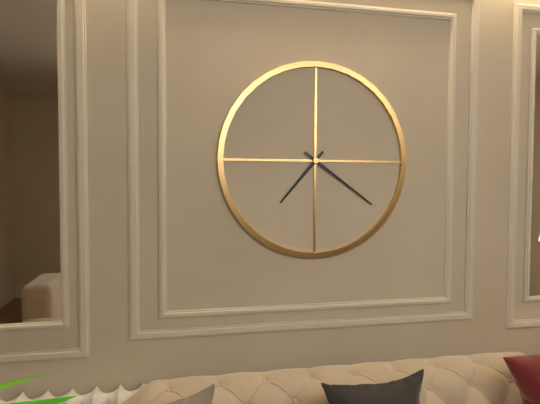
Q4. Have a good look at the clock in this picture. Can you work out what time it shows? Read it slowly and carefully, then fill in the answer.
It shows 7:21
